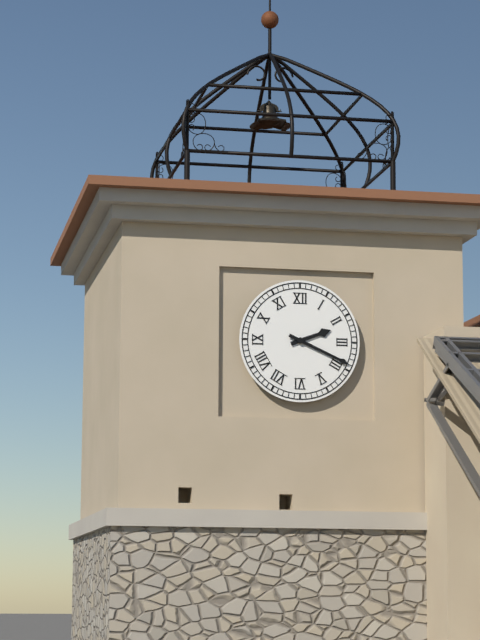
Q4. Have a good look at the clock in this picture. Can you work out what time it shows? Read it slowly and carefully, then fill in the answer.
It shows 2:19
